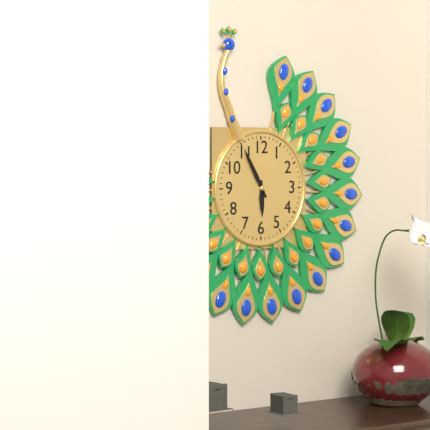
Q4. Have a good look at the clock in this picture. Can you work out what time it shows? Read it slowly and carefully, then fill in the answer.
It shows 5:55
